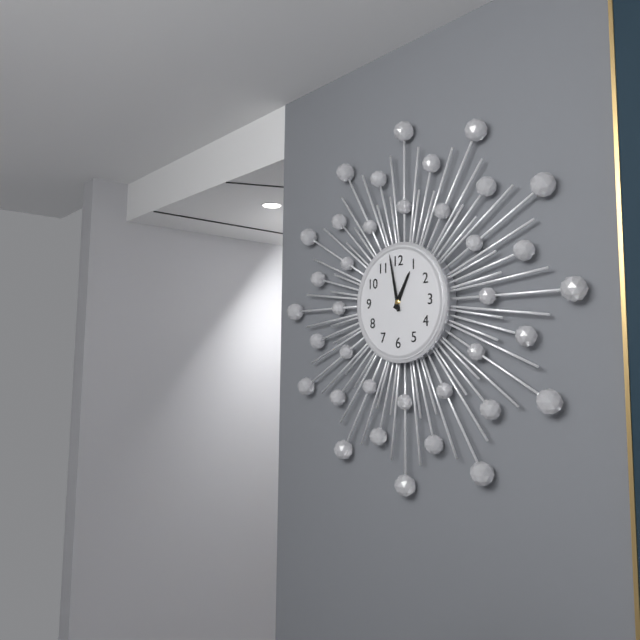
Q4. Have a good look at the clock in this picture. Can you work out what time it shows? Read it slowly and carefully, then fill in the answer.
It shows 12:58
